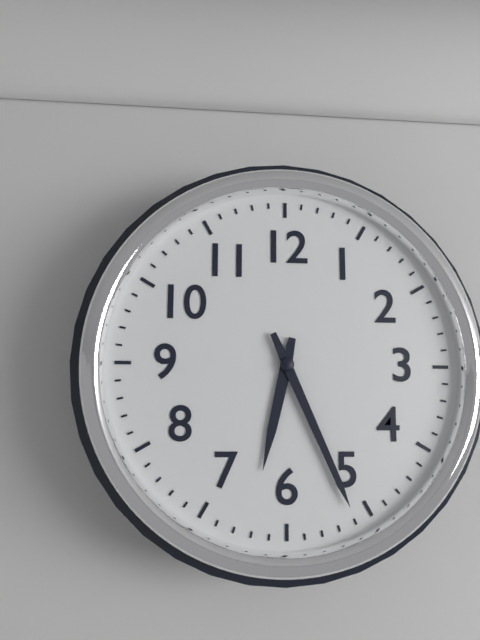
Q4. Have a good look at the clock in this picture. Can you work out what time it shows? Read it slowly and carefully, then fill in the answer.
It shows 6:26
